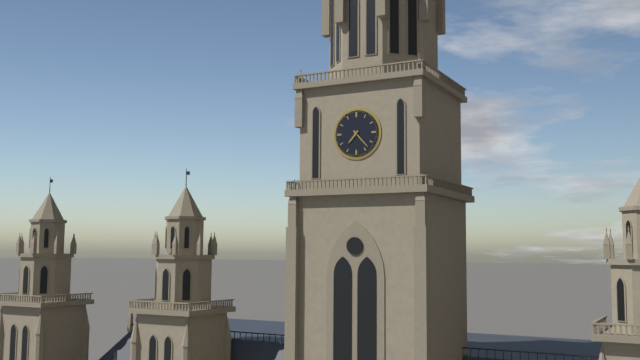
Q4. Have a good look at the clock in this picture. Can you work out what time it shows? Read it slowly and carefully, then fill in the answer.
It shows 7:23
